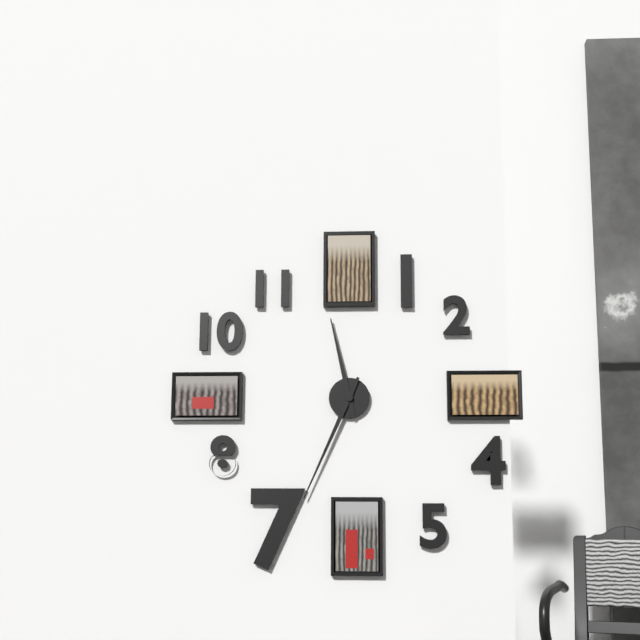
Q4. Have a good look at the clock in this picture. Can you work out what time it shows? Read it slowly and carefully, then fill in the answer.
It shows 11:34
